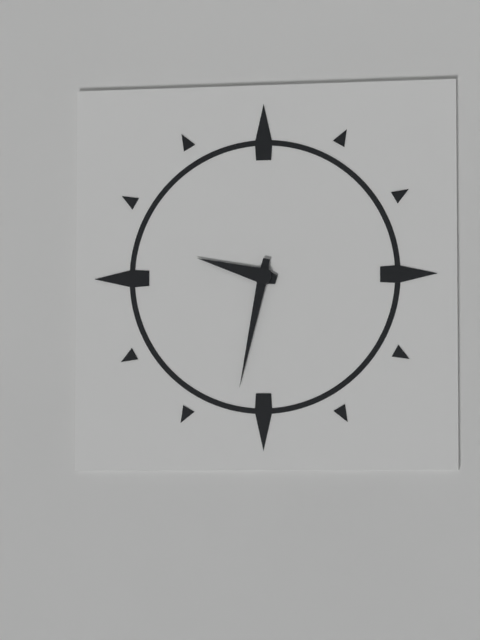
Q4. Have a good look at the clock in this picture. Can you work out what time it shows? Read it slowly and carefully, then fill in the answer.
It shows 9:32
